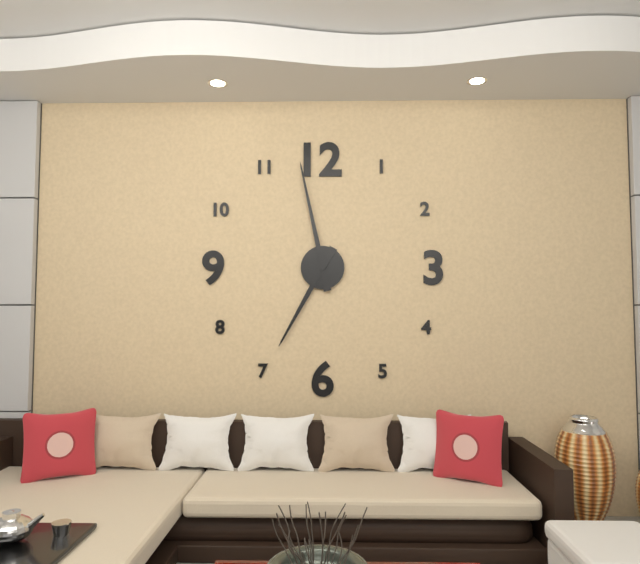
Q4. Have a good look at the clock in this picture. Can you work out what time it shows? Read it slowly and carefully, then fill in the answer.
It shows 6:58
